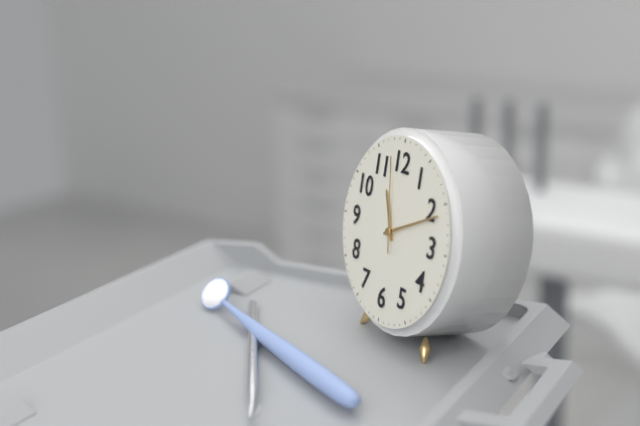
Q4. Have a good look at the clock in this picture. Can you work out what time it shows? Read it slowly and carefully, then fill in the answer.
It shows 11:11:58
